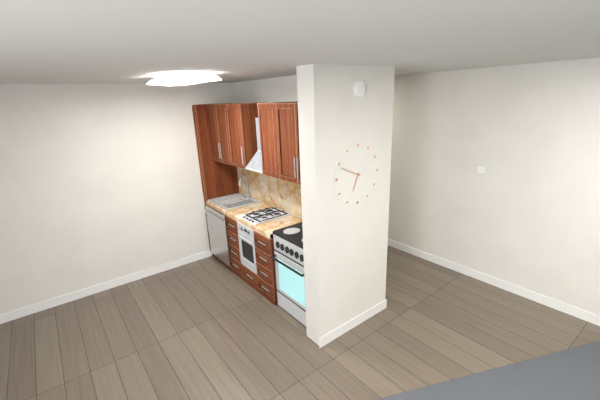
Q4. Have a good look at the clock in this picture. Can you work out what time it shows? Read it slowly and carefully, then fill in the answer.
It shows 6:49
